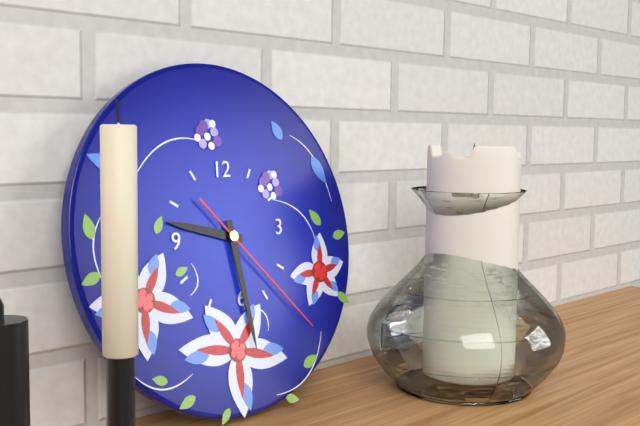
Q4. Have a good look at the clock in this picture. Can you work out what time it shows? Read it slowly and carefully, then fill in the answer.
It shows 9:29:23
